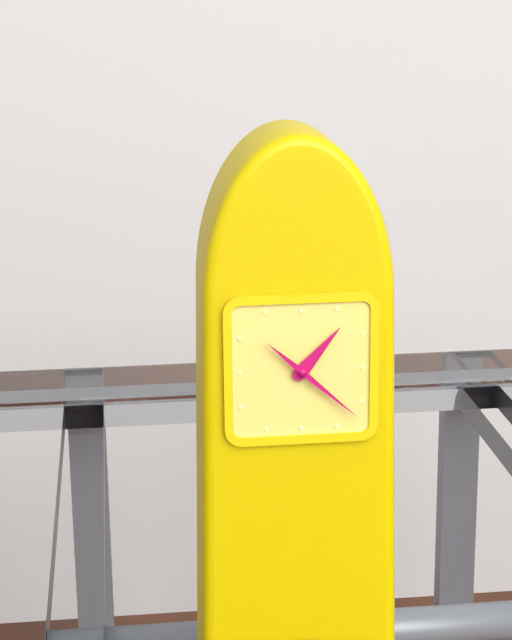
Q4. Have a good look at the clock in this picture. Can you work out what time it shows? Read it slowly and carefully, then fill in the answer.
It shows 1:22
